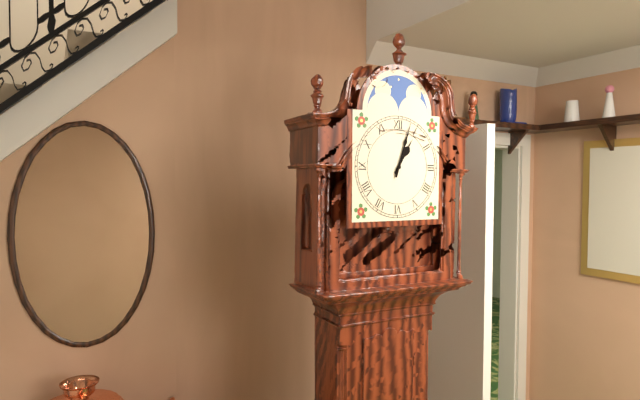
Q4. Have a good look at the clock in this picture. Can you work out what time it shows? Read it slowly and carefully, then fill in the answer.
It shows 1:03
